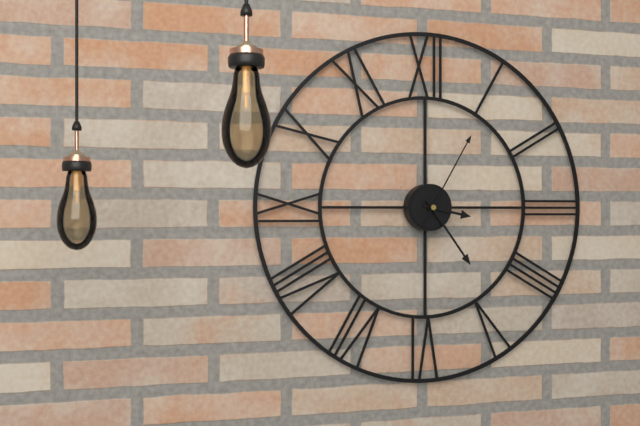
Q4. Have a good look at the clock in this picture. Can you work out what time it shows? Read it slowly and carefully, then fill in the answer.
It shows 3:24:05
